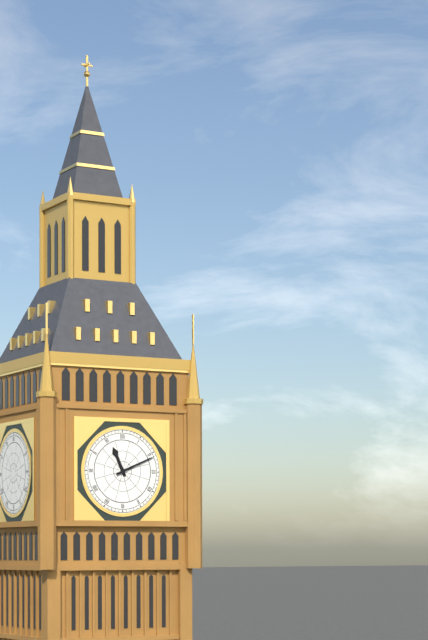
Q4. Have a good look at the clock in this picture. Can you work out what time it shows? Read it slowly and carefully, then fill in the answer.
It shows 11:11
